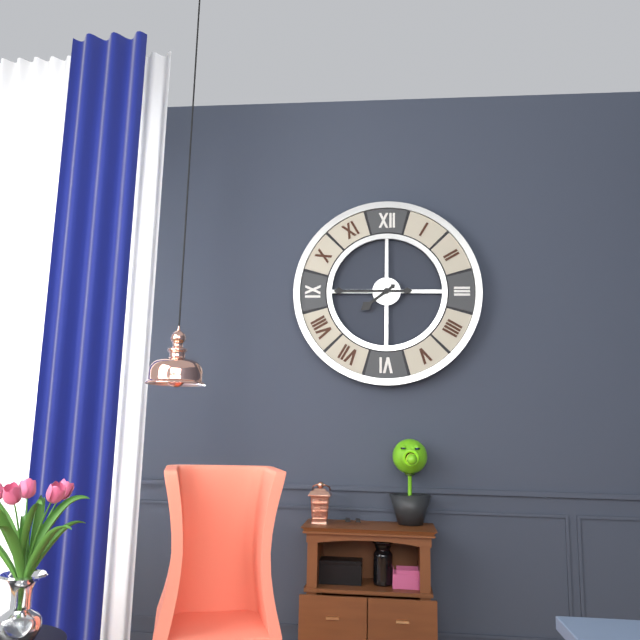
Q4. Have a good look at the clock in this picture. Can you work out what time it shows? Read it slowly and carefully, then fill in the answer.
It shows 7:45
